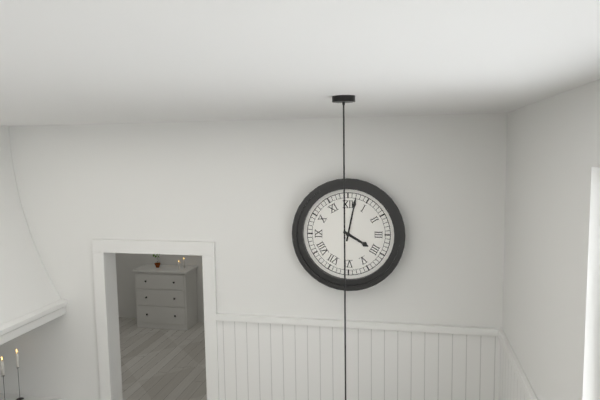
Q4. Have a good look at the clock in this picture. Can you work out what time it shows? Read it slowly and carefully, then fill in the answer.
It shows 4:02
